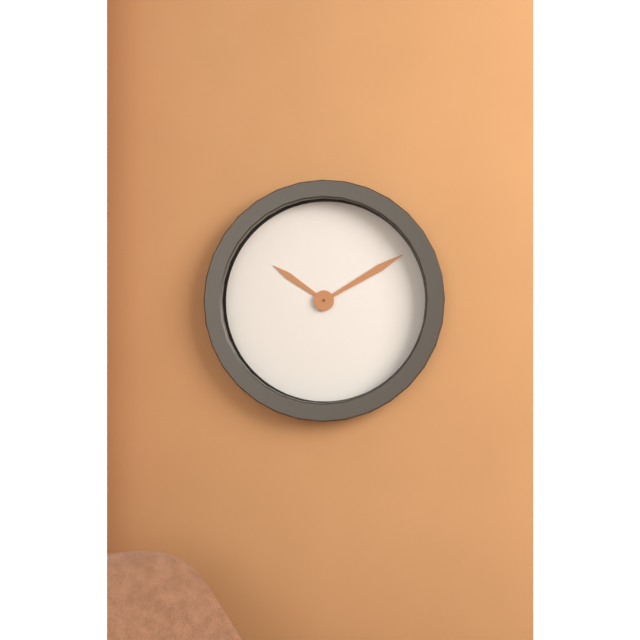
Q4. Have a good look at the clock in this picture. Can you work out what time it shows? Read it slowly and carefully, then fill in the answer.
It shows 10:10
